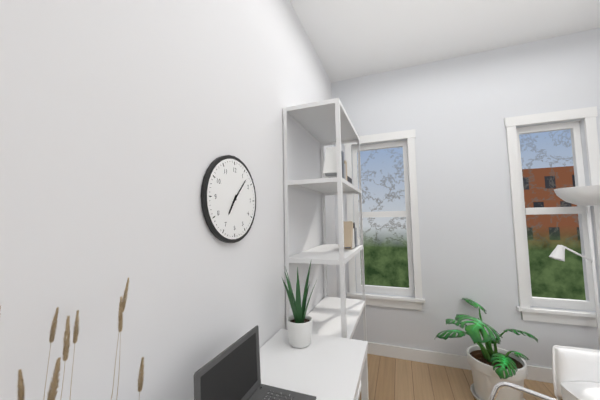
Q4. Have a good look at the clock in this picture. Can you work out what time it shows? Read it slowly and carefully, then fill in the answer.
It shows 7:07
